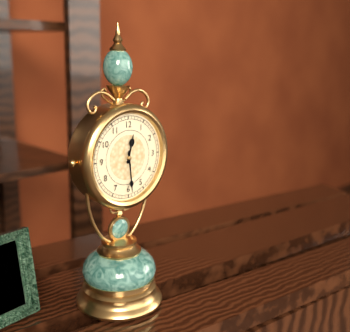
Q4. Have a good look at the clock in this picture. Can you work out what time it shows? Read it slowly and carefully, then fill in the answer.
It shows 12:29
